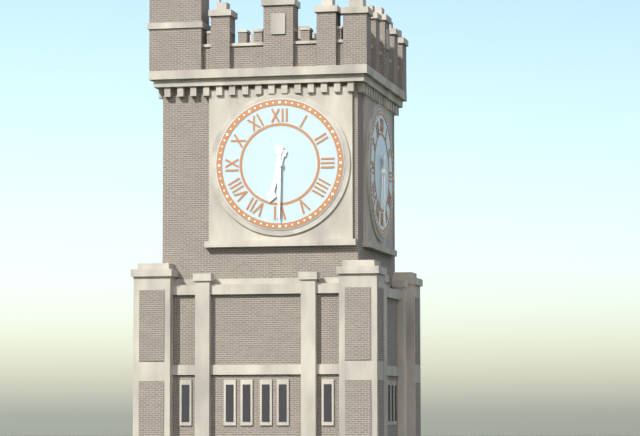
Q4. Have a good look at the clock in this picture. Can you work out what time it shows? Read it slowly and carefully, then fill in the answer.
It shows 6:30
